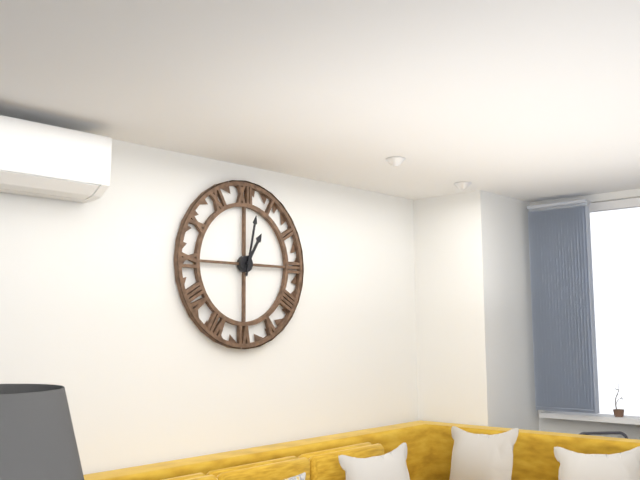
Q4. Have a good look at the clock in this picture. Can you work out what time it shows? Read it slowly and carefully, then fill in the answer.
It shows 1:02
